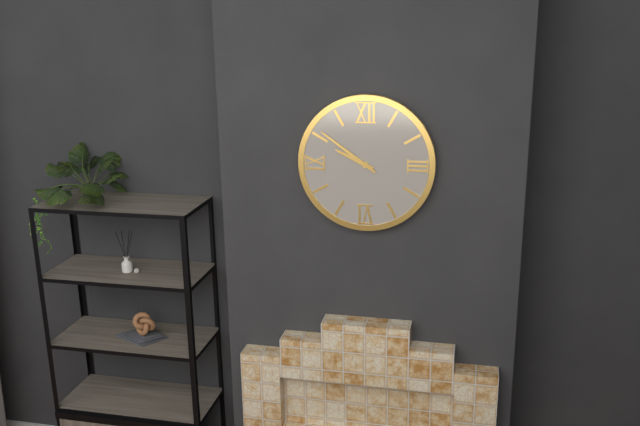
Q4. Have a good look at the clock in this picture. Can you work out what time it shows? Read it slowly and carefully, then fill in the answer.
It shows 9:51
